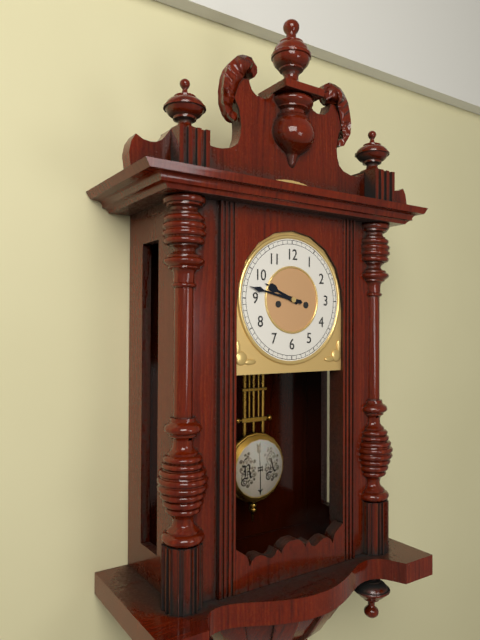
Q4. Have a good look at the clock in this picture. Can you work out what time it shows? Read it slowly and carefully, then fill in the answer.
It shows 9:47
